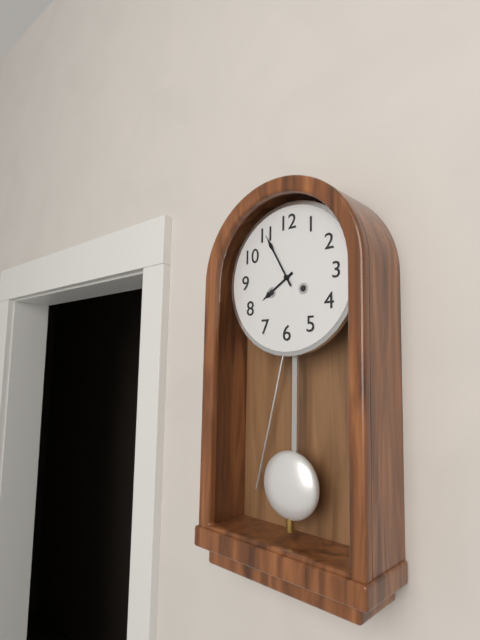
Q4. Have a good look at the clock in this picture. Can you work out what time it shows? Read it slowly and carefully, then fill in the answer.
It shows 7:55
